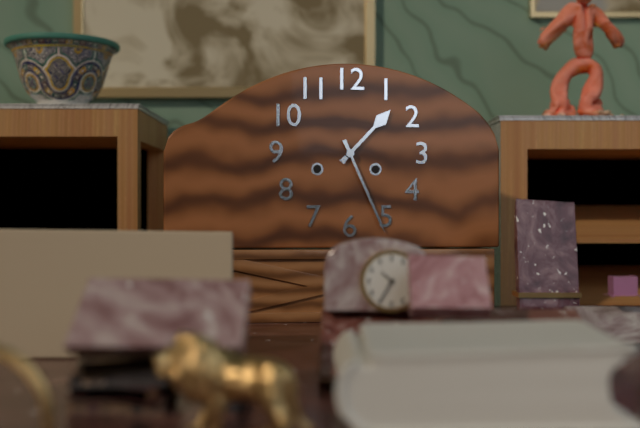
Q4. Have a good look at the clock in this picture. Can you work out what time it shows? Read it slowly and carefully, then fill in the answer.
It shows 1:26
